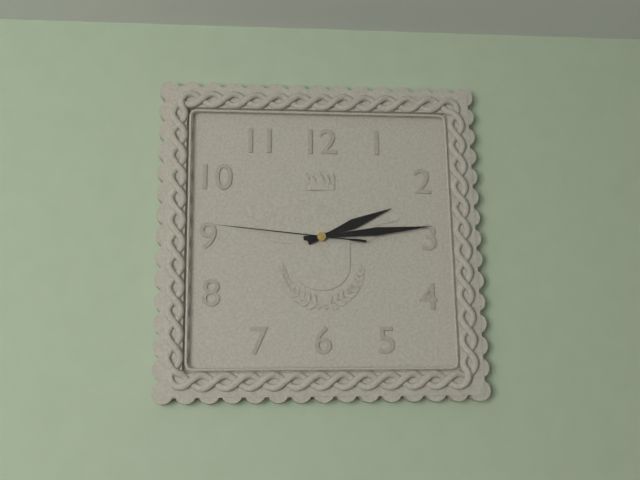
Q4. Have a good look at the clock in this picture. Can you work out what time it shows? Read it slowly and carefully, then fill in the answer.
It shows 2:14:46
